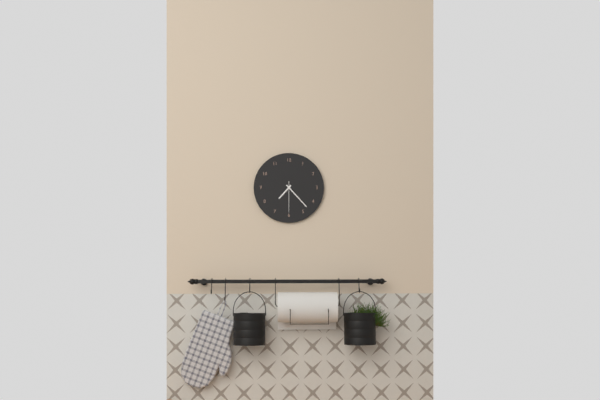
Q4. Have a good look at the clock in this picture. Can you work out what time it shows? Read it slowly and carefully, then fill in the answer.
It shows 7:23
